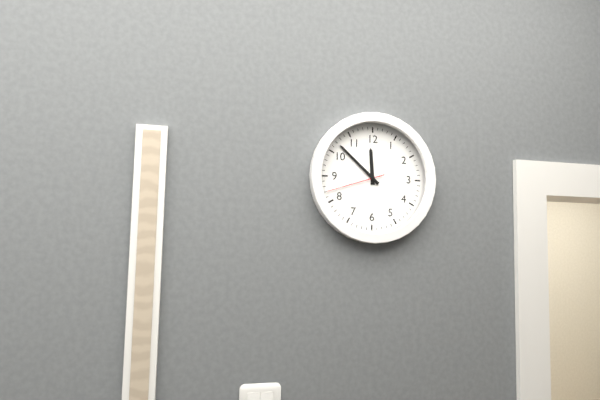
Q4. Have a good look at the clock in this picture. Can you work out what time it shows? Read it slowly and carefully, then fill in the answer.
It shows 11:52:42
